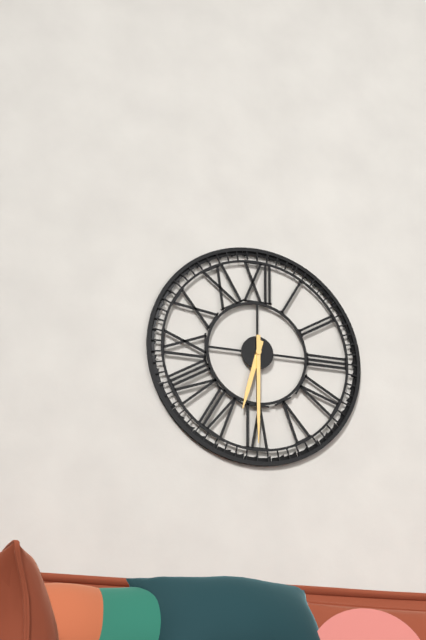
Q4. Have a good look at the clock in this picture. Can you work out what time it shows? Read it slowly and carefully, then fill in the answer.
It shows 6:30
